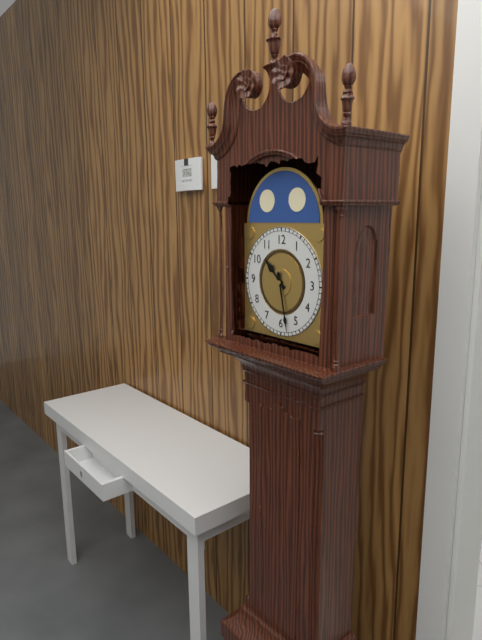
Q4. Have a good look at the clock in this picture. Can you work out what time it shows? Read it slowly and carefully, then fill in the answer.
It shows 10:28
